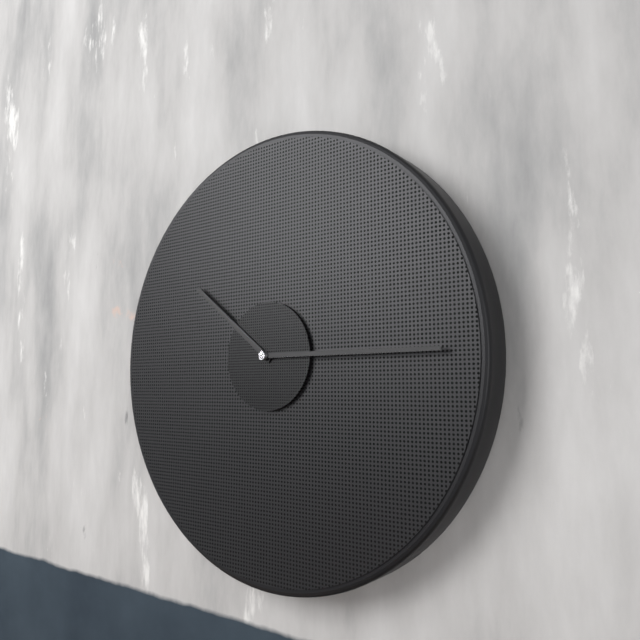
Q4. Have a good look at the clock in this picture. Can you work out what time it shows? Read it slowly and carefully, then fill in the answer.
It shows 10:15
